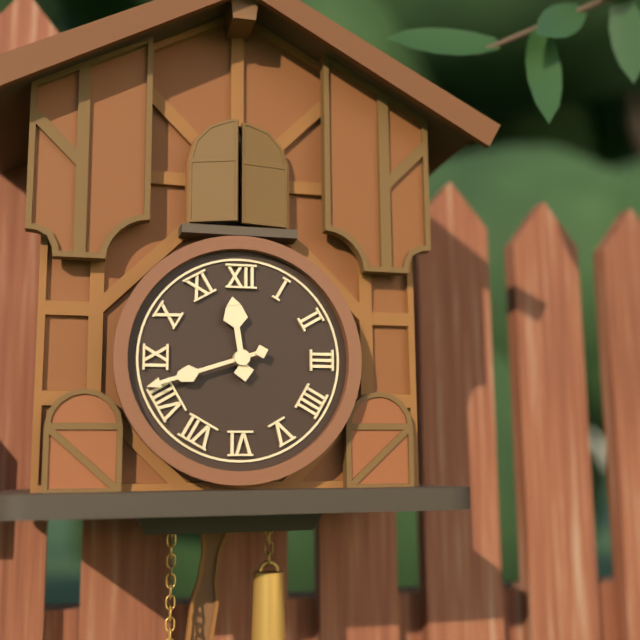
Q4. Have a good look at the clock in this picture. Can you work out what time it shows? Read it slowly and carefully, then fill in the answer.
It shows 11:42
